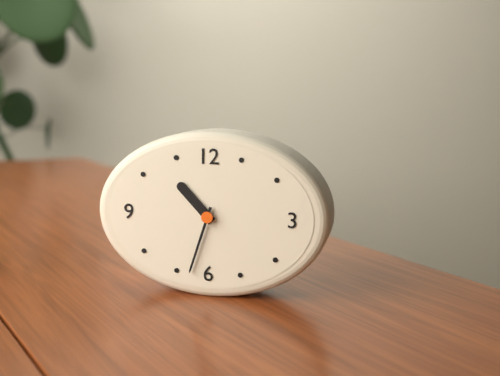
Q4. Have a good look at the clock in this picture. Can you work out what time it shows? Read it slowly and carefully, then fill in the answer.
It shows 10:33
